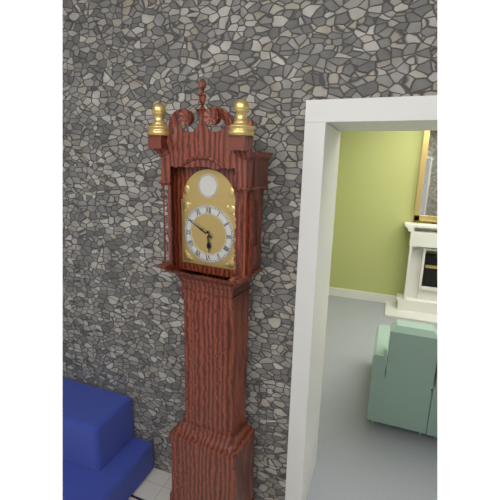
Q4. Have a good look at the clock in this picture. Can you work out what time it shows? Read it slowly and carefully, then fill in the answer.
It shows 5:50
